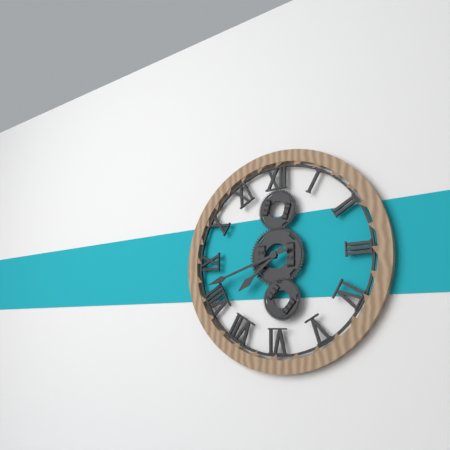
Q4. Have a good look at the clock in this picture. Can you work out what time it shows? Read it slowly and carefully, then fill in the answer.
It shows 7:42
